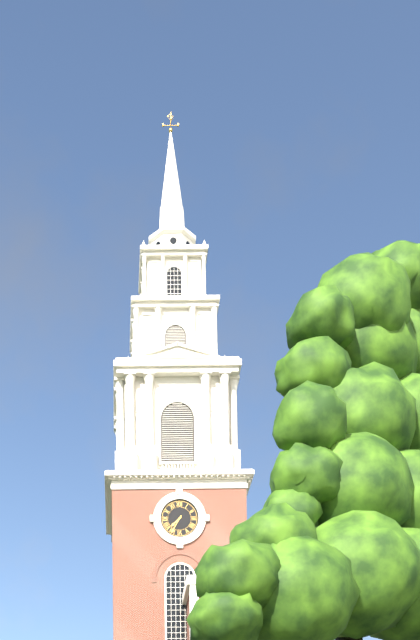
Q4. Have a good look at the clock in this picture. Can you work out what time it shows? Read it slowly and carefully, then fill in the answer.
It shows 7:35
